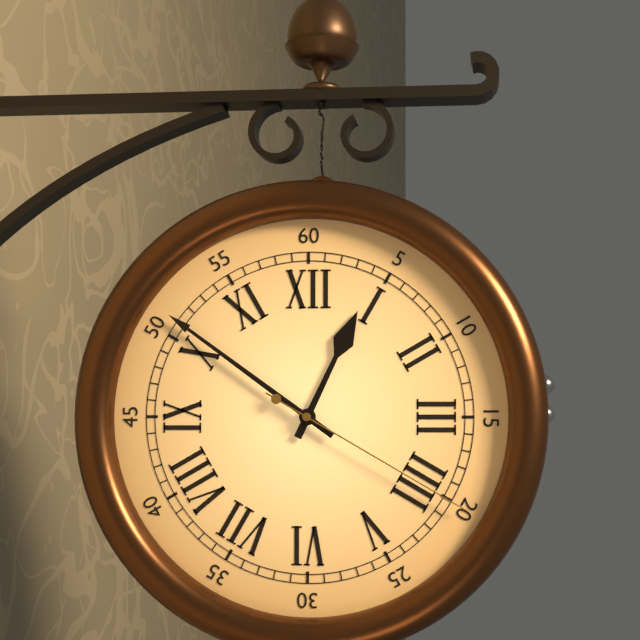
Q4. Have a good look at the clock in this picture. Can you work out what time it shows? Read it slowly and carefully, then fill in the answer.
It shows 12:51:20
